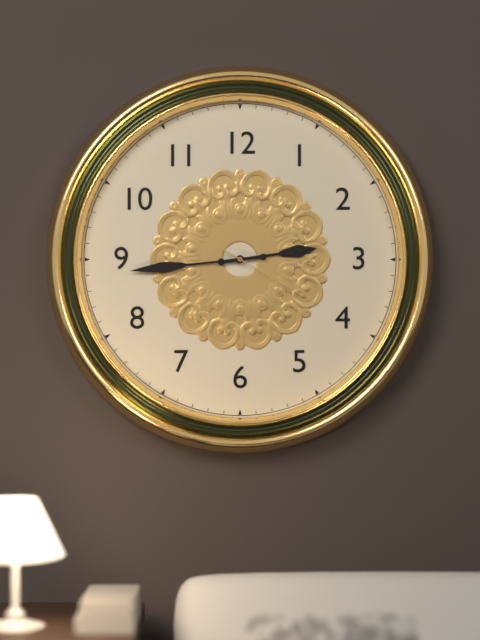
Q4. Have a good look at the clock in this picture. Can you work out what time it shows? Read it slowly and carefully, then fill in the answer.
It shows 2:44:20
